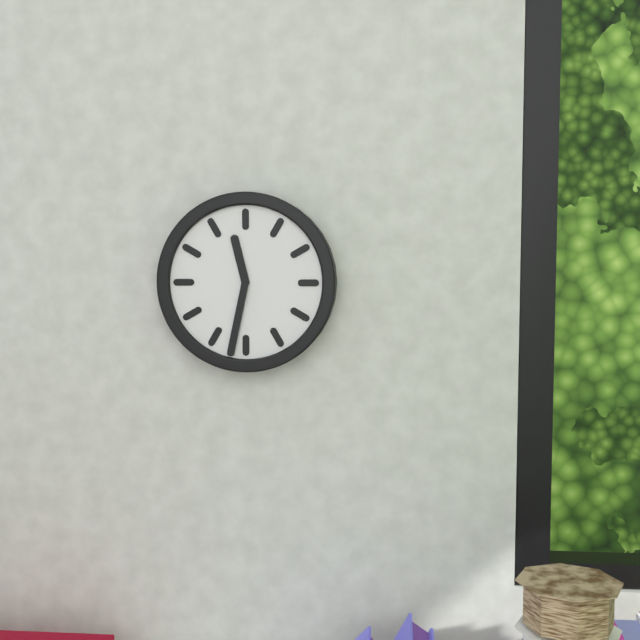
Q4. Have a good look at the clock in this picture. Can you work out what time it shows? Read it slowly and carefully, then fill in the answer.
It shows 11:32
